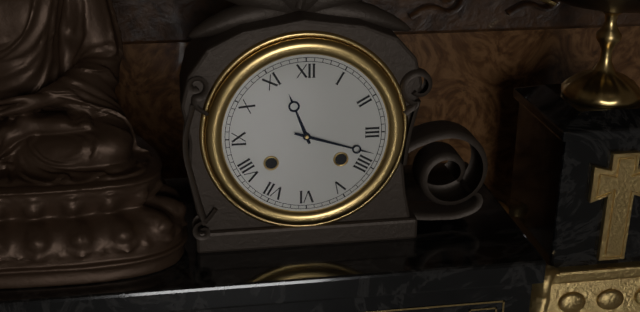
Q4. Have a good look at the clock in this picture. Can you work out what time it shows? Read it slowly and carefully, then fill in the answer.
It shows 11:18
